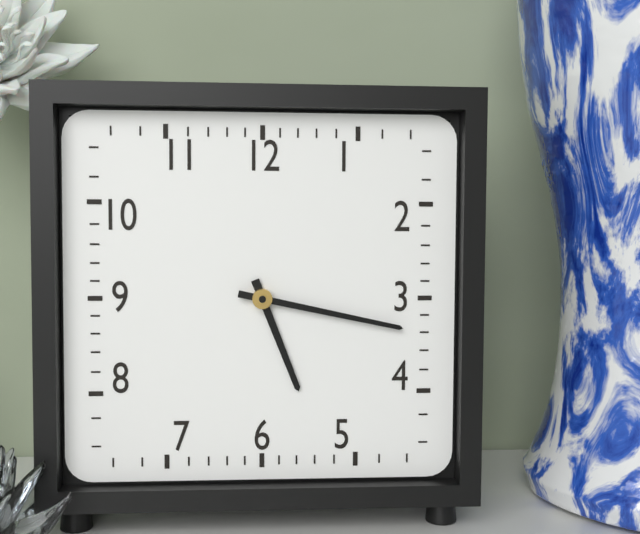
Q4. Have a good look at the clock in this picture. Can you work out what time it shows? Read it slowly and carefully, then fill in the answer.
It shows 5:17
